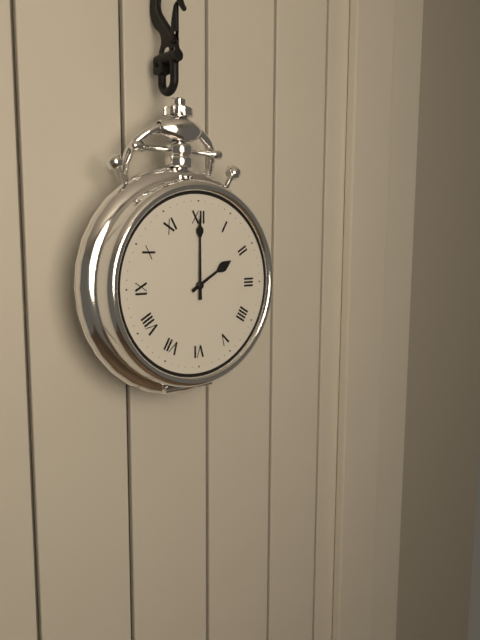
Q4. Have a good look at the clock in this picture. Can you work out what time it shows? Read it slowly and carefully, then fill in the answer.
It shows 2:00
